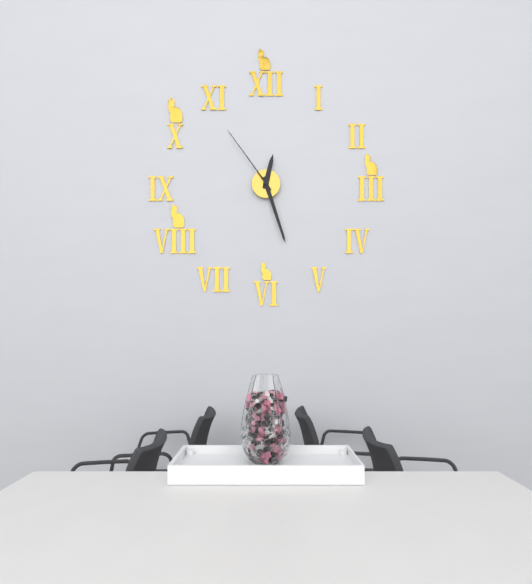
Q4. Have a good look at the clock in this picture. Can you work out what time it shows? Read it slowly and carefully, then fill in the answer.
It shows 12:27:54
